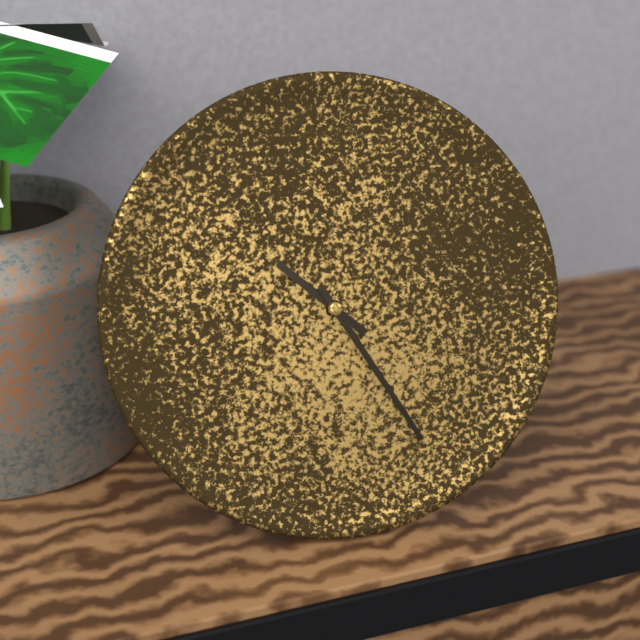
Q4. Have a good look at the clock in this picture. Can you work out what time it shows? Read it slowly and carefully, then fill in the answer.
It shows 10:25
